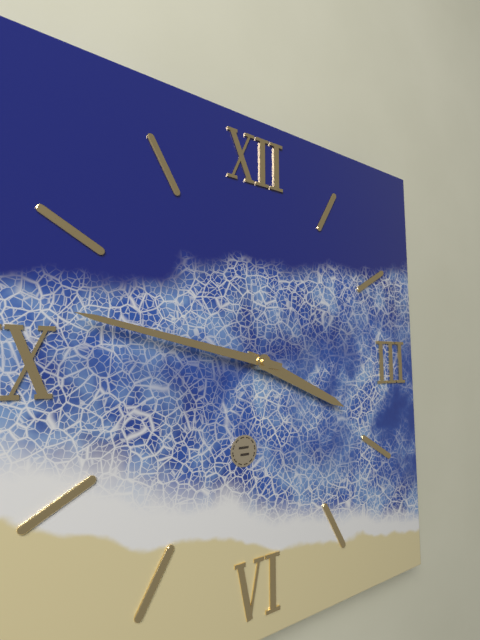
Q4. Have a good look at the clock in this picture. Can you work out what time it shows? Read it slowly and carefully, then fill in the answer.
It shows 3:47
